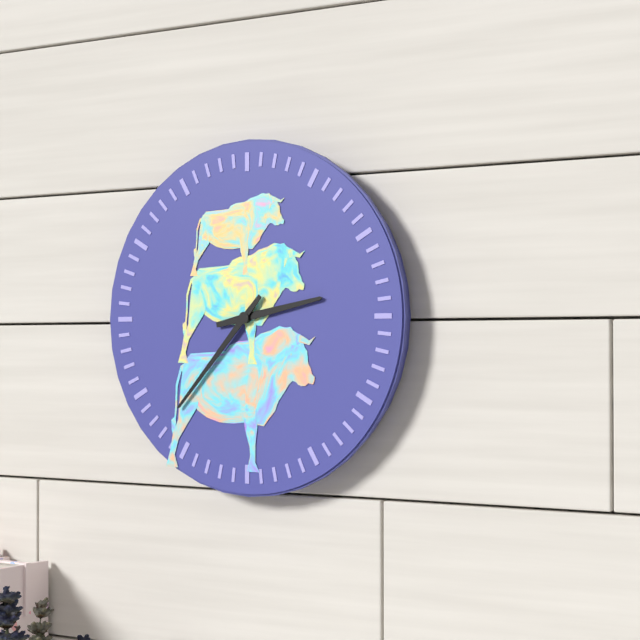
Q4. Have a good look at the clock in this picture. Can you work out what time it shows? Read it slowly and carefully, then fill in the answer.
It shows 2:37
